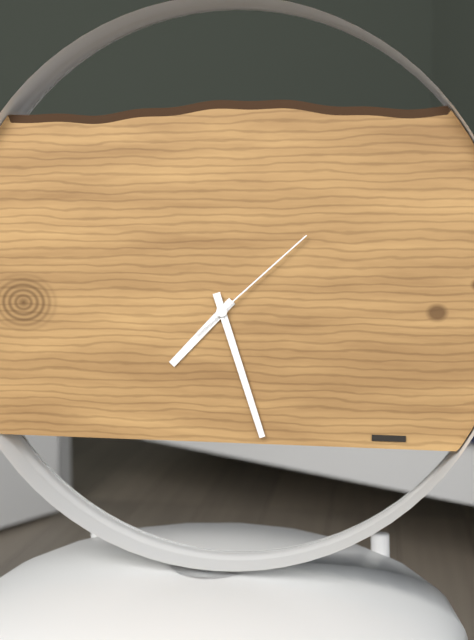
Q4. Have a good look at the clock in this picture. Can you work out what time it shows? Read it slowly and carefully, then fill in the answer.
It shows 7:27:08
